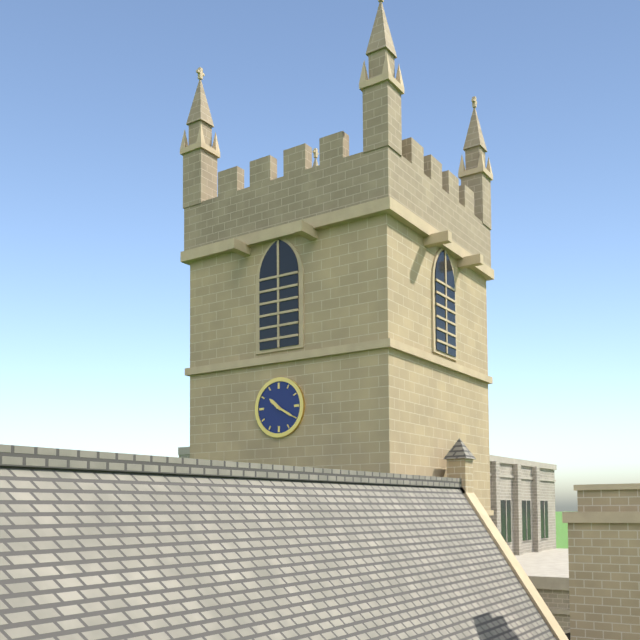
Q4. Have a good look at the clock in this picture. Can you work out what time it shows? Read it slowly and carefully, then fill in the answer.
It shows 10:20
